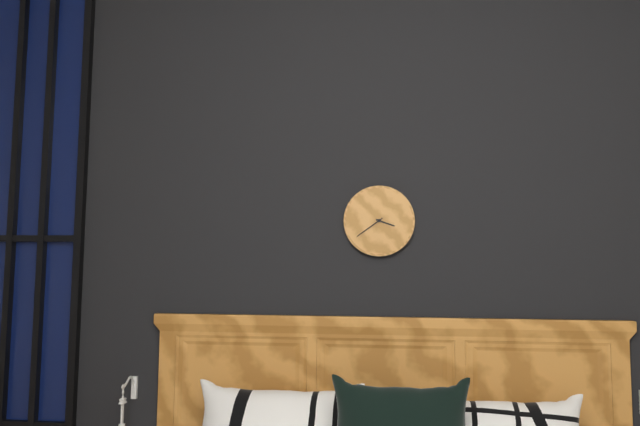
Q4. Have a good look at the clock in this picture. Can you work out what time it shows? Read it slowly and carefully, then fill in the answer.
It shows 3:39
